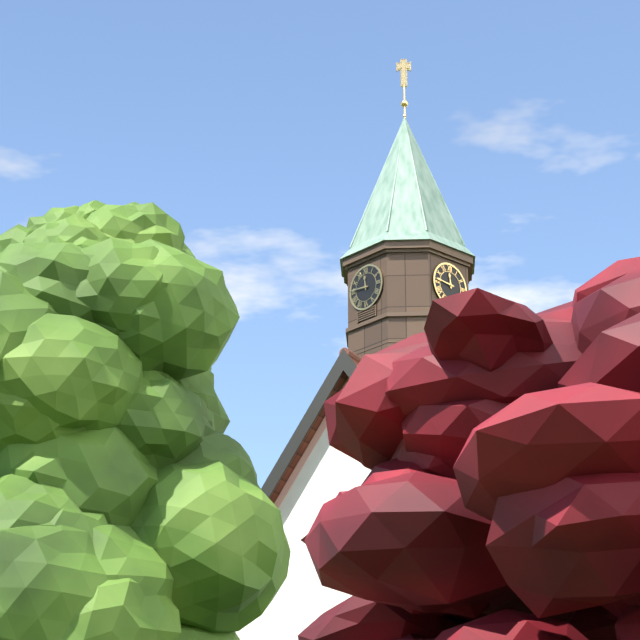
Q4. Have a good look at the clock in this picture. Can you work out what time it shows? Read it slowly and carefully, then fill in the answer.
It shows 11:46
